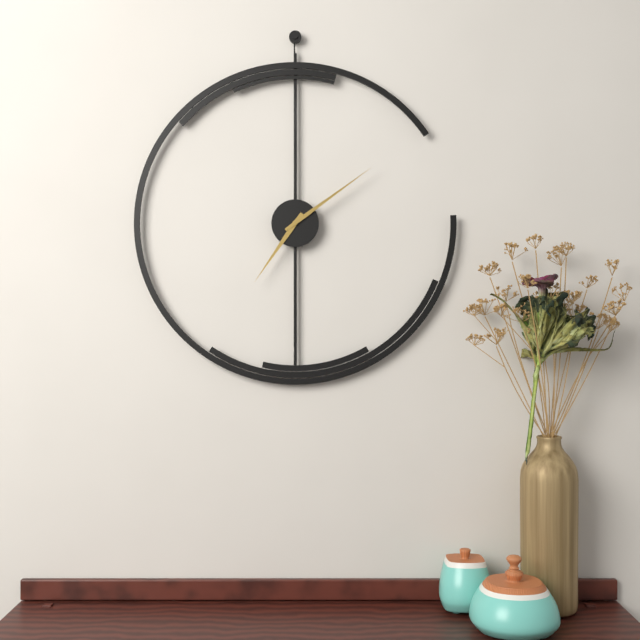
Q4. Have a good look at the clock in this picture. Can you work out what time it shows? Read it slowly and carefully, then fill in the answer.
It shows 7:09
